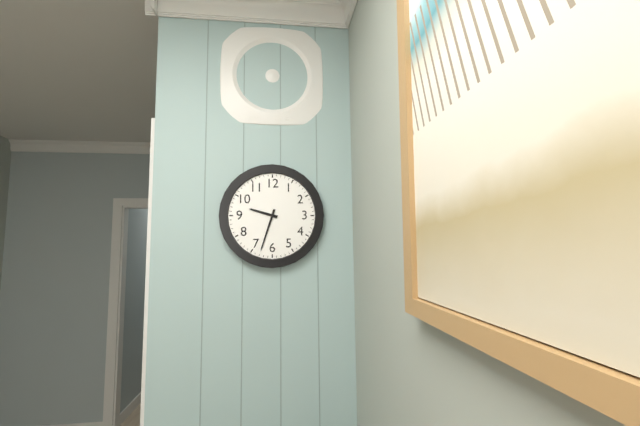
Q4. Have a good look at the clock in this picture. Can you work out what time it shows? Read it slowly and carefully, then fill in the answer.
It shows 9:33
